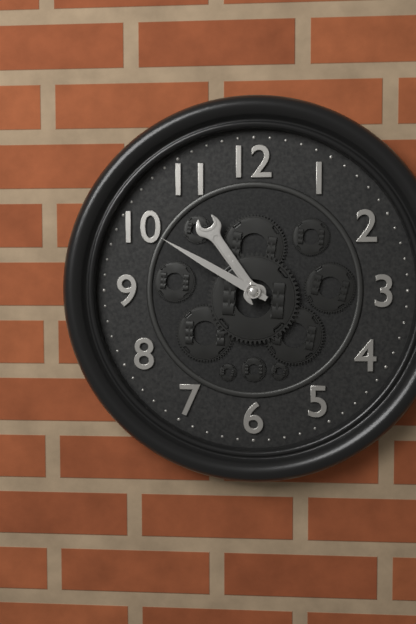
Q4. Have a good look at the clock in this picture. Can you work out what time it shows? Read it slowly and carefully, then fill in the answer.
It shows 10:50
